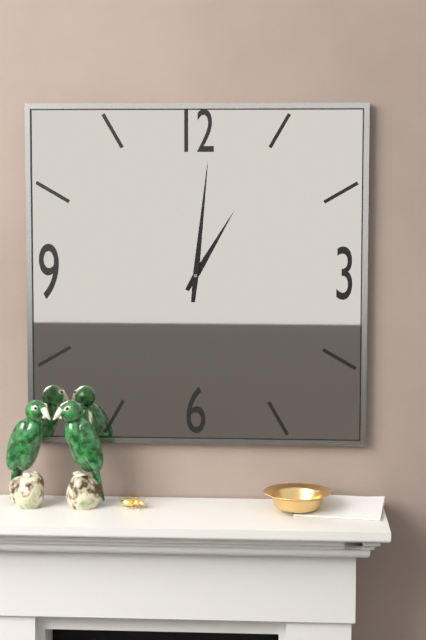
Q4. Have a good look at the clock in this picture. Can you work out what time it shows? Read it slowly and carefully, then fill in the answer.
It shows 1:01
